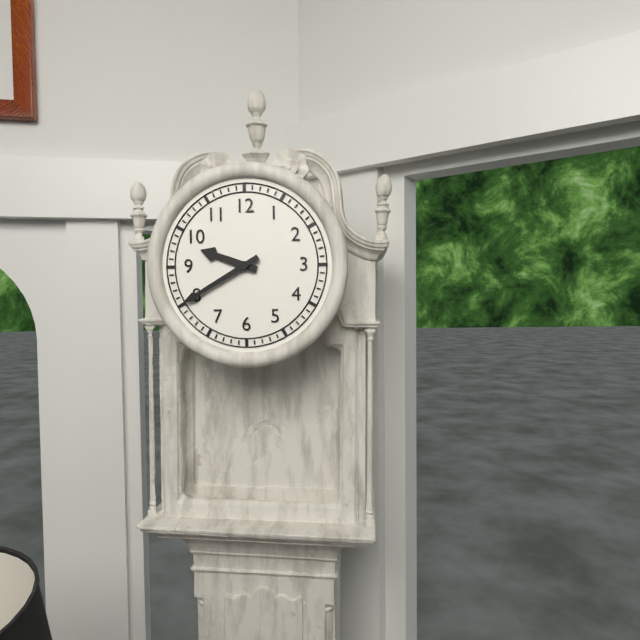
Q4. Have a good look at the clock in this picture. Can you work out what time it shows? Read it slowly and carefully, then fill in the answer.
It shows 9:40
